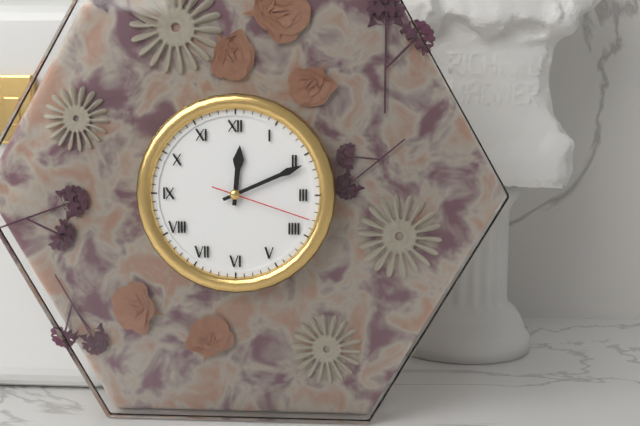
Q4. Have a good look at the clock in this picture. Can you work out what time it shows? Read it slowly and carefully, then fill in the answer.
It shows 12:11:18
